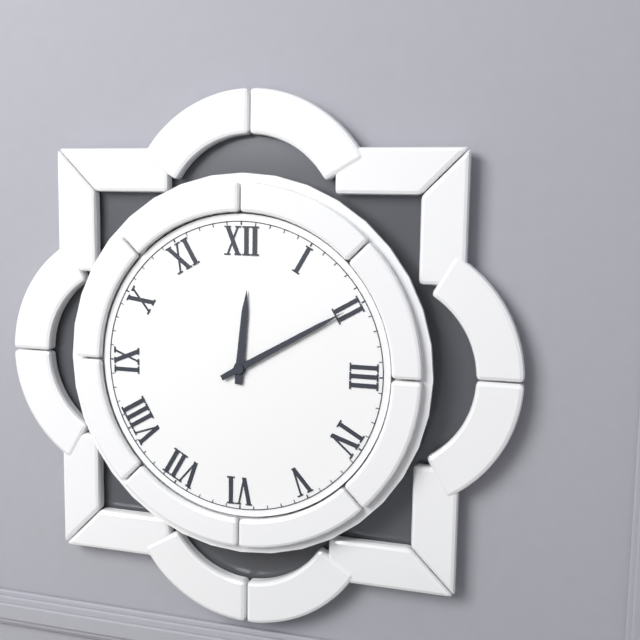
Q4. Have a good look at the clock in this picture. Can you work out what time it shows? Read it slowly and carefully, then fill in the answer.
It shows 12:10
